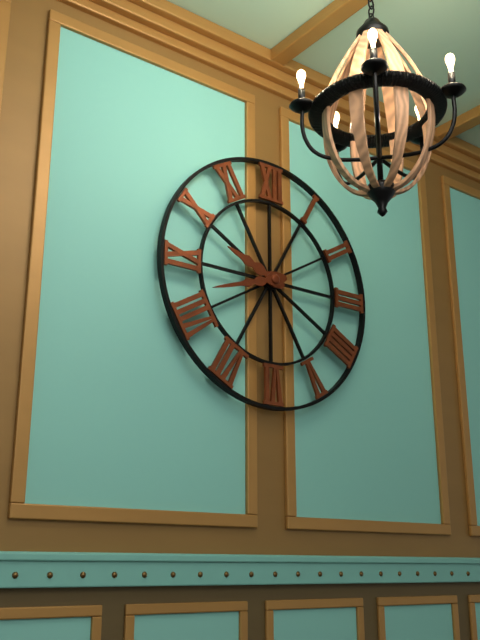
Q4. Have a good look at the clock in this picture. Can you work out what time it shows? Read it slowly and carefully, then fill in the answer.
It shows 9:42
